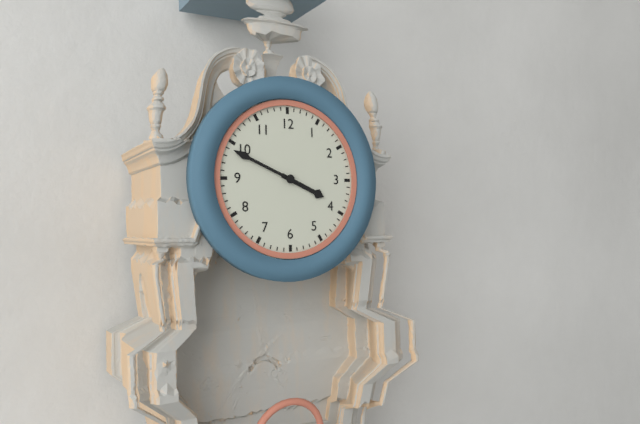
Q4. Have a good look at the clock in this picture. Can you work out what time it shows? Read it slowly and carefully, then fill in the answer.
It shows 3:49
